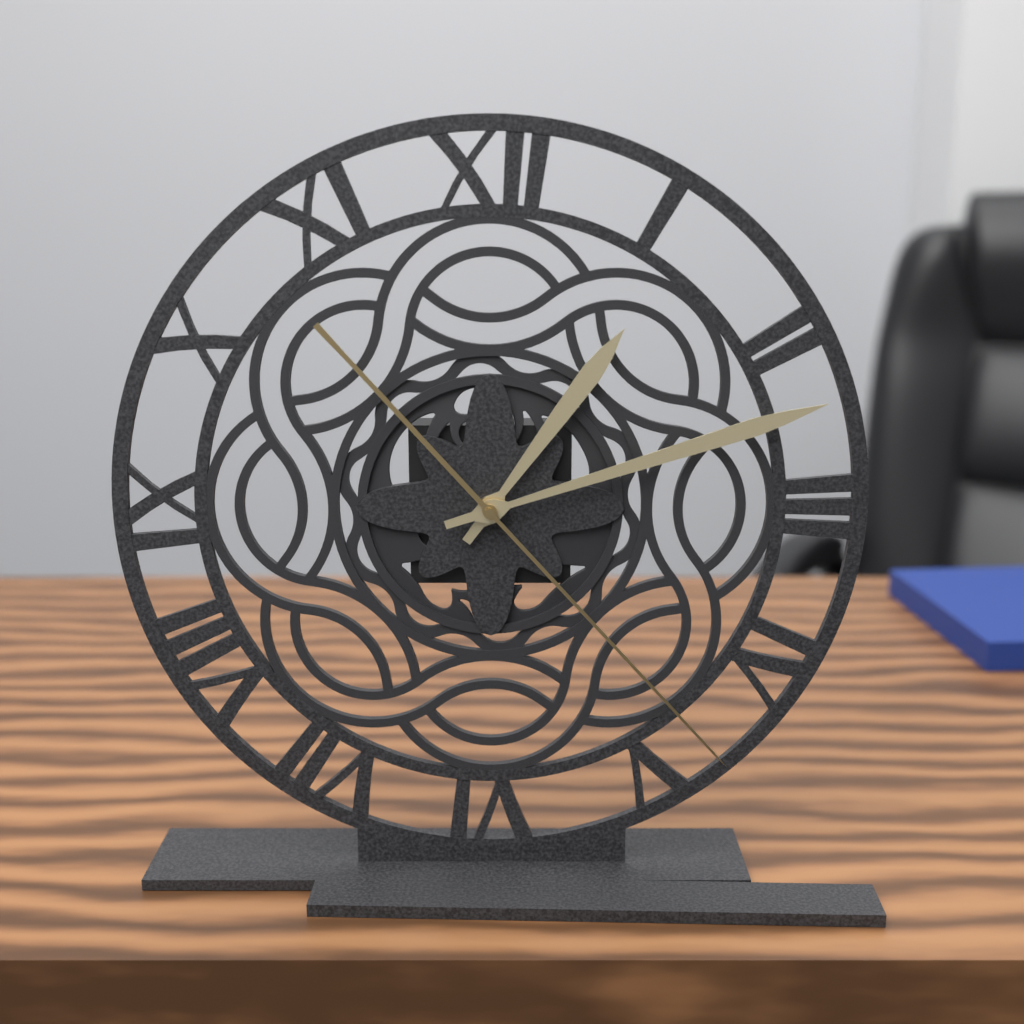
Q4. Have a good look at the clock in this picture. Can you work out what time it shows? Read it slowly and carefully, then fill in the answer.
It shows 1:12:23
